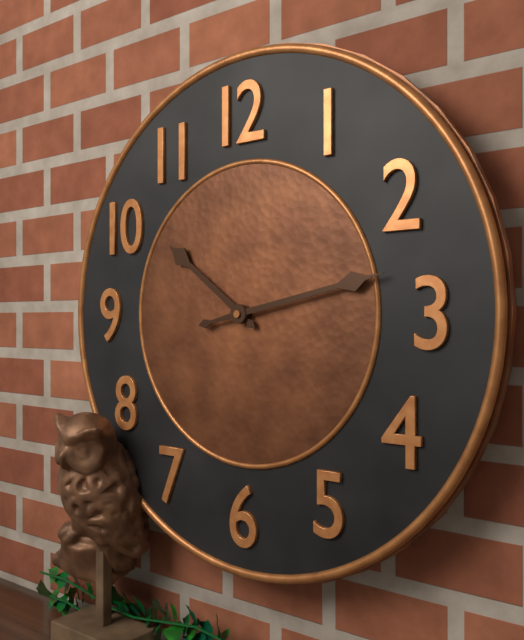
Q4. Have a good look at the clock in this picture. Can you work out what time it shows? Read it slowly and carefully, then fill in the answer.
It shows 10:13
